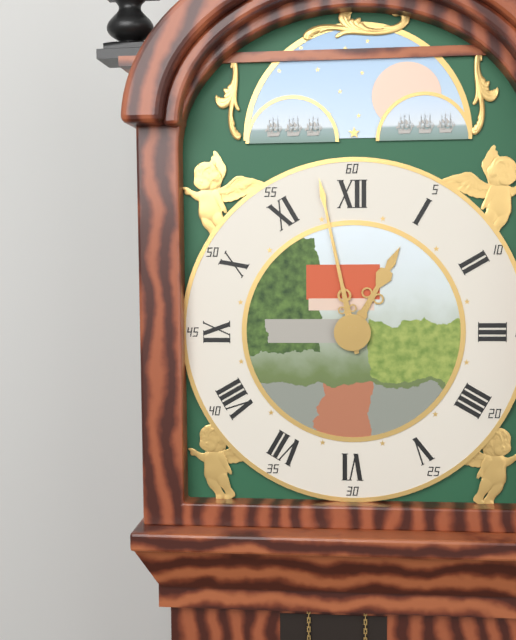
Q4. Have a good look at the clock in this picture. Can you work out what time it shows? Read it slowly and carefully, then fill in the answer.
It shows 12:58
